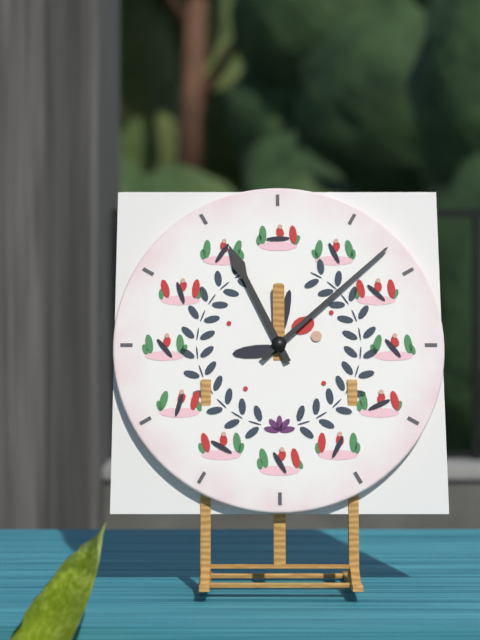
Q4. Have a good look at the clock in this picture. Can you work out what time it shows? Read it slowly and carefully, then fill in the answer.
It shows 11:08
